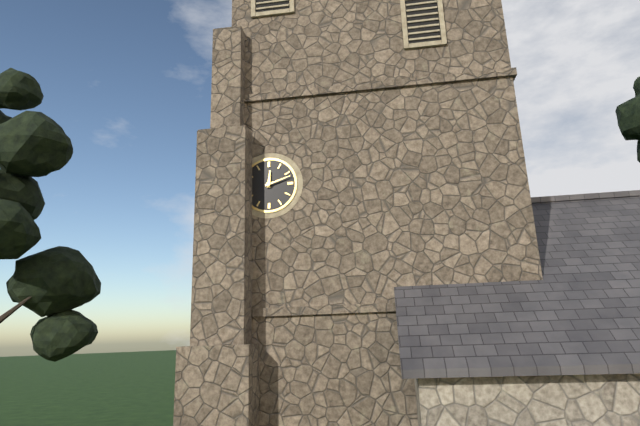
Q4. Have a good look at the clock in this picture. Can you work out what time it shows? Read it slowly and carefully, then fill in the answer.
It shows 12:12
